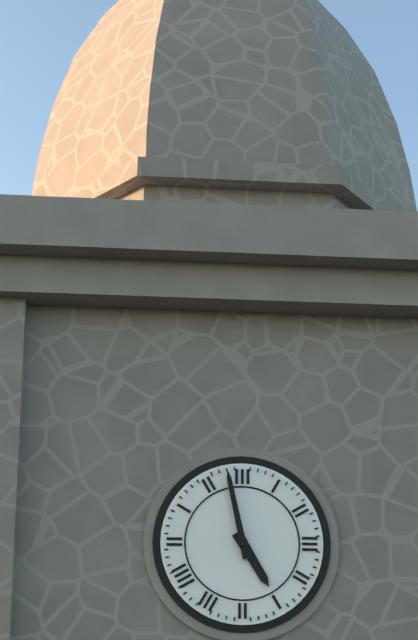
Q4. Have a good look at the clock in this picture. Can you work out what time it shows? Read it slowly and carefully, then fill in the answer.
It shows 4:58
